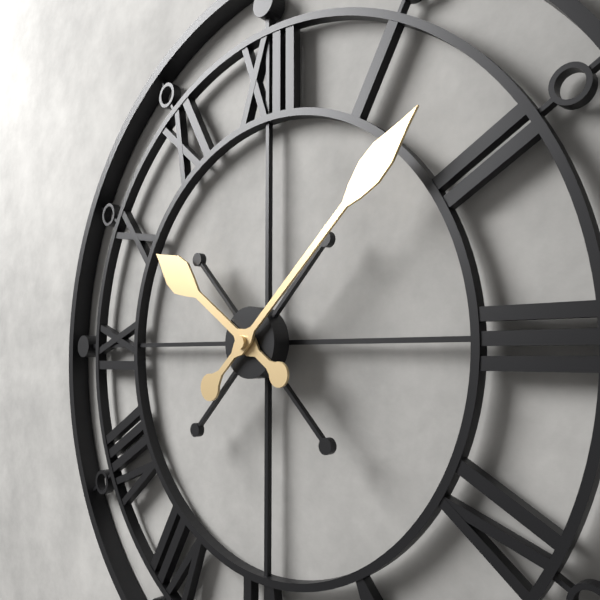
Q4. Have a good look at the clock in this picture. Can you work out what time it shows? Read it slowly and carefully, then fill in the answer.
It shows 10:08
